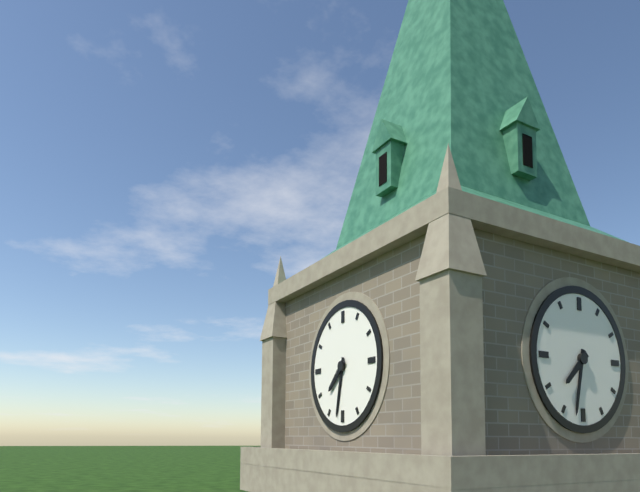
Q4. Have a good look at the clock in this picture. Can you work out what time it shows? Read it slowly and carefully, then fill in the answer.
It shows 7:32
